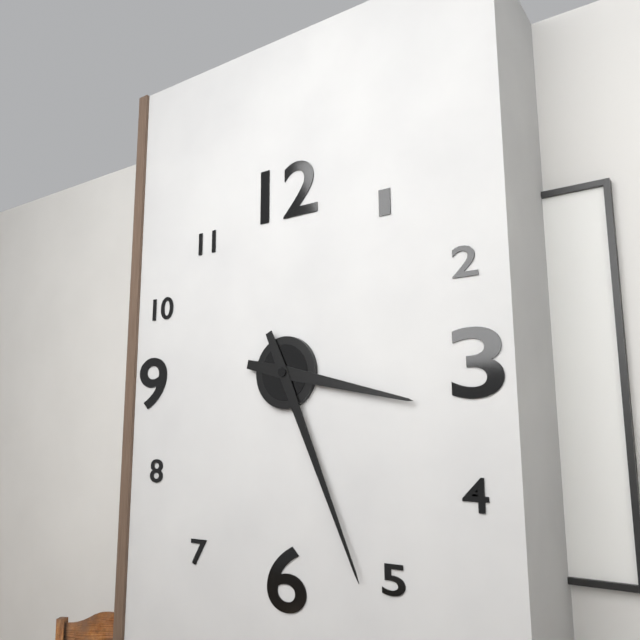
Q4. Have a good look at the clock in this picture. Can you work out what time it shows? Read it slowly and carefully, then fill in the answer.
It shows 3:26
